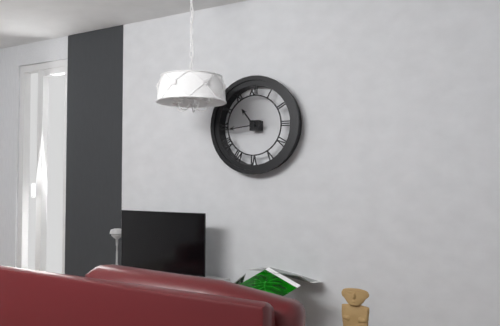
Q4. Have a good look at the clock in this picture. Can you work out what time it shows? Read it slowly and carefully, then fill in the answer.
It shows 10:44
